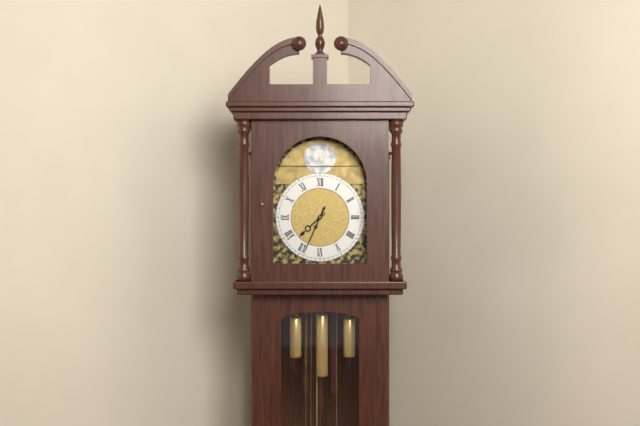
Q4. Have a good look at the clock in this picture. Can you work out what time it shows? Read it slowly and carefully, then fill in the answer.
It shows 7:34
